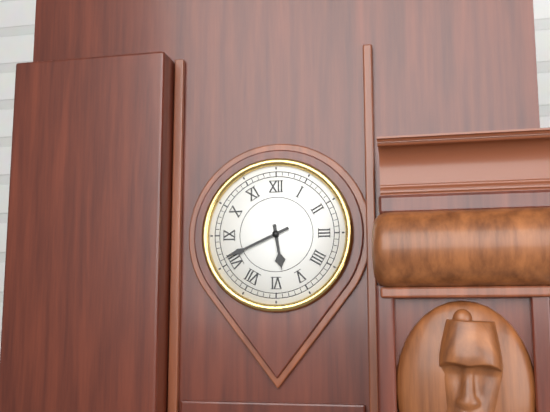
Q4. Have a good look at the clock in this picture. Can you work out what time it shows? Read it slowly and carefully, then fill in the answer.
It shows 5:41
